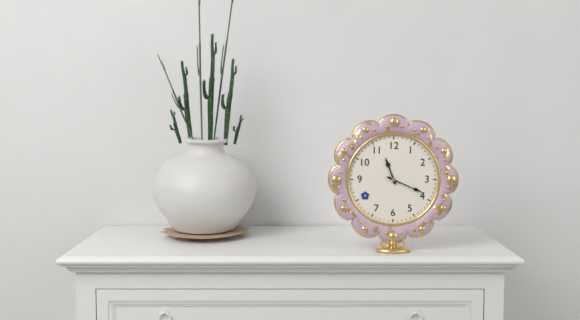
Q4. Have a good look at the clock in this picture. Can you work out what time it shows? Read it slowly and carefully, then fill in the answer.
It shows 11:19
